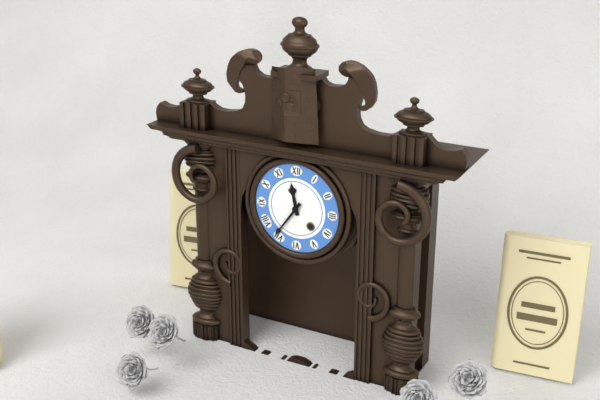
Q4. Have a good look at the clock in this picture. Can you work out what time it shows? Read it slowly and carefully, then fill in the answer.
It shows 11:36
